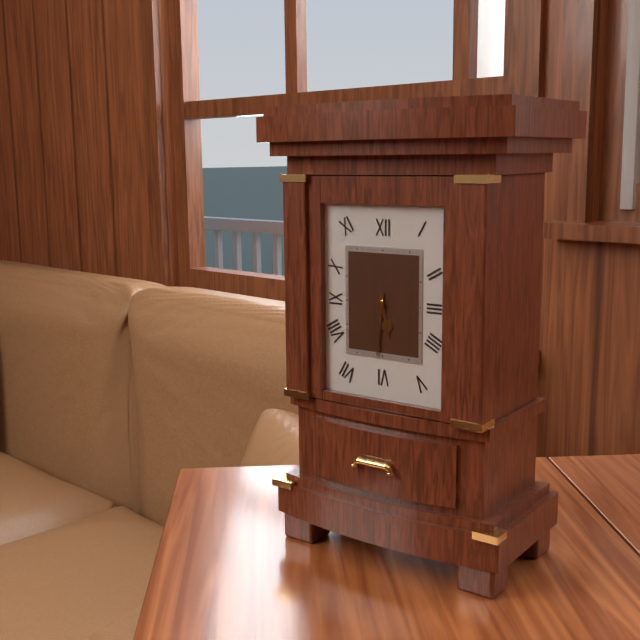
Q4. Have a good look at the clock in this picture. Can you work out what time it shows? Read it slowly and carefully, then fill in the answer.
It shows 5:31
